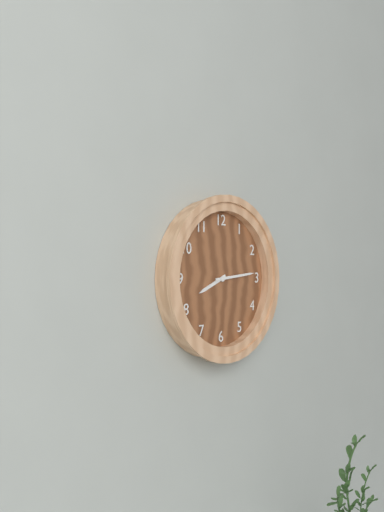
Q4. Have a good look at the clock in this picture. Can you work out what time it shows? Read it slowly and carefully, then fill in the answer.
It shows 8:14
